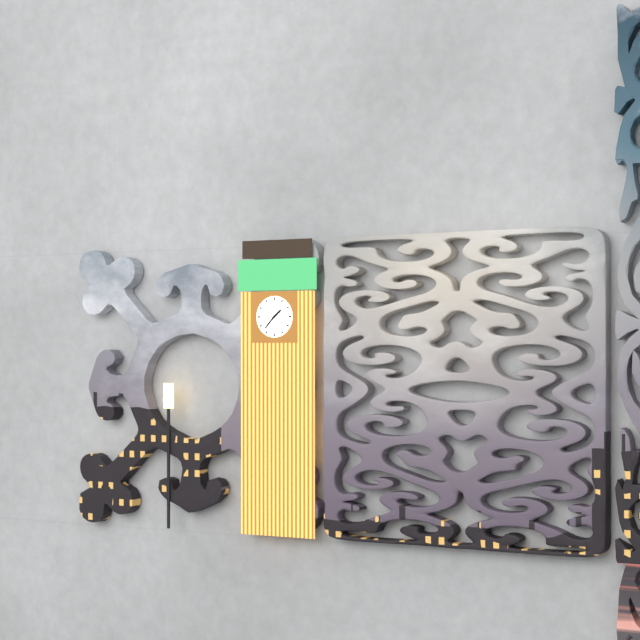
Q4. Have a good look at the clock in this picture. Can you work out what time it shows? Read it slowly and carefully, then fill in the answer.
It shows 1:37
